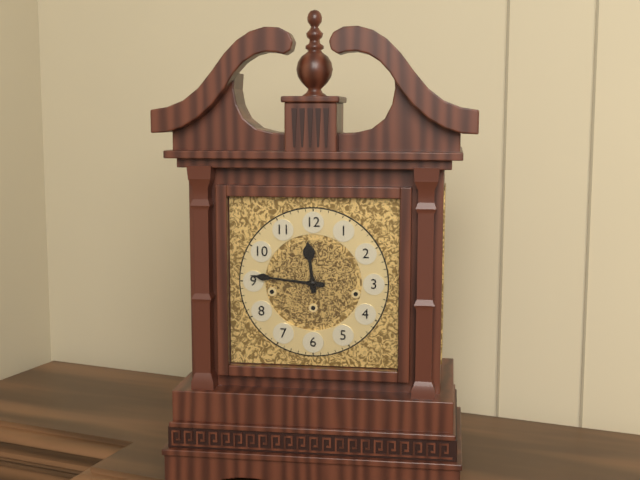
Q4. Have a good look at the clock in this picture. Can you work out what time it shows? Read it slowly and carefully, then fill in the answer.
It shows 11:46
